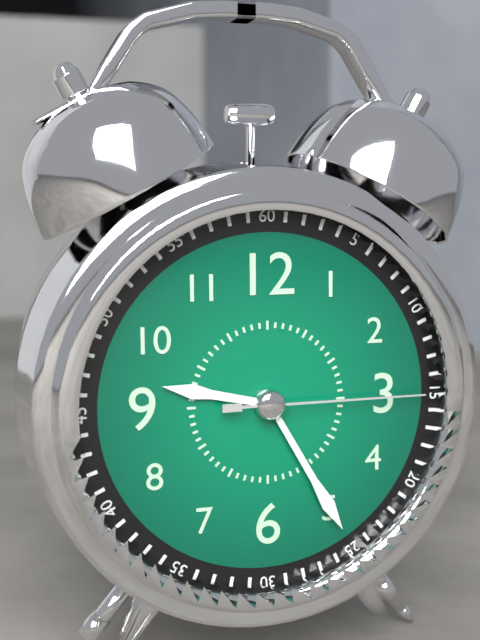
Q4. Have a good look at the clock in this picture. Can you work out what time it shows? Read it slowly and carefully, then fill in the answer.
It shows 9:25:15
